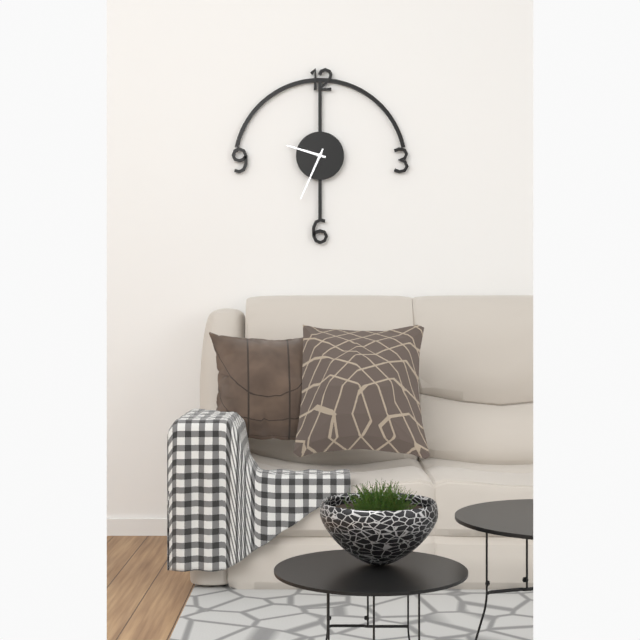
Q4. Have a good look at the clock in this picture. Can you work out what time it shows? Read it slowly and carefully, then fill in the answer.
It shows 9:34
